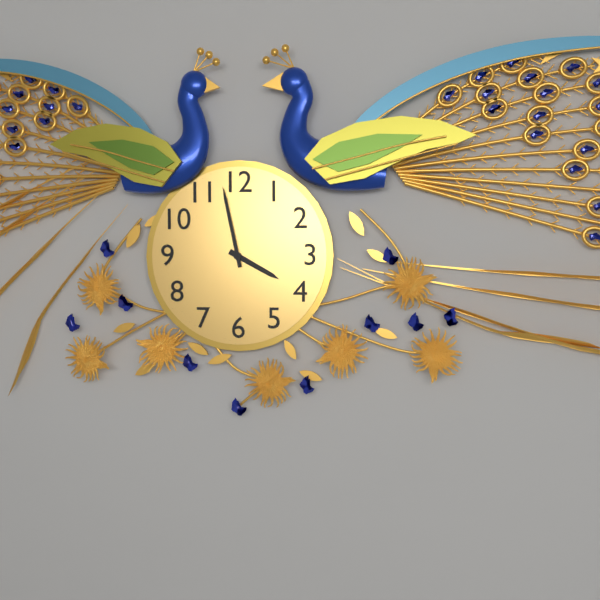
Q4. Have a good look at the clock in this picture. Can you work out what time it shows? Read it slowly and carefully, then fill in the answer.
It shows 3:58
